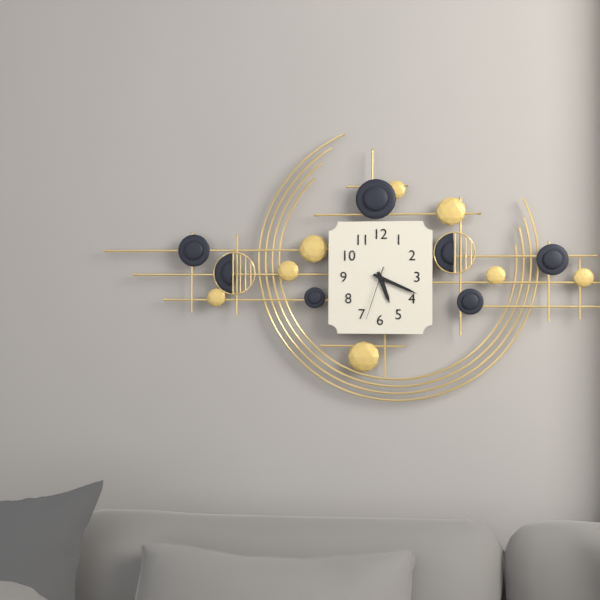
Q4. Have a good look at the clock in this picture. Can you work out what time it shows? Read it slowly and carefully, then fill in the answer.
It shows 5:19:33
